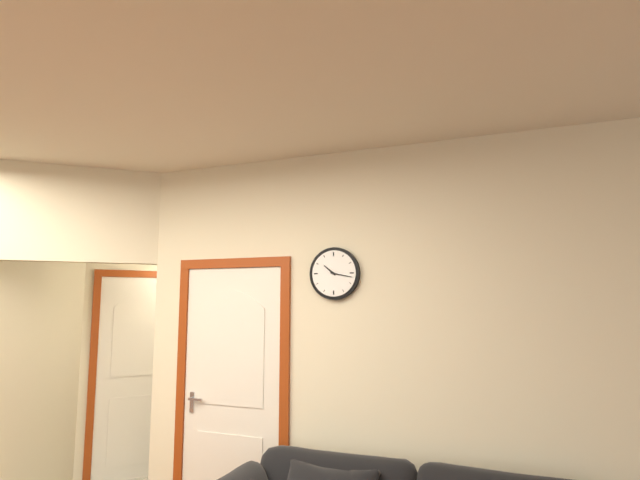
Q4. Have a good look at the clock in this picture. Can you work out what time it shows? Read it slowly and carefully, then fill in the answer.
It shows 10:17
